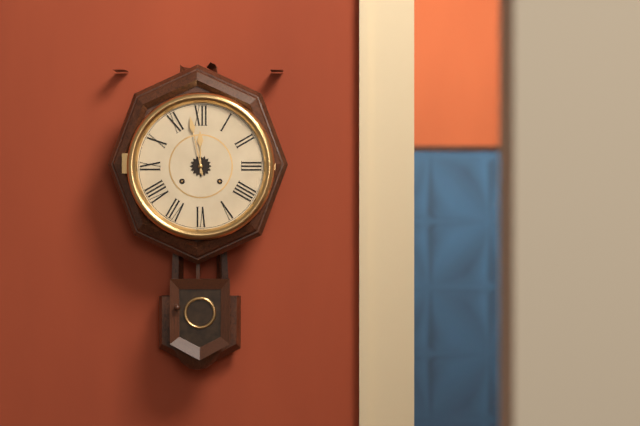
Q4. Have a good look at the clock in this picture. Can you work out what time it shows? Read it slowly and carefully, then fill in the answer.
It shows 11:58
